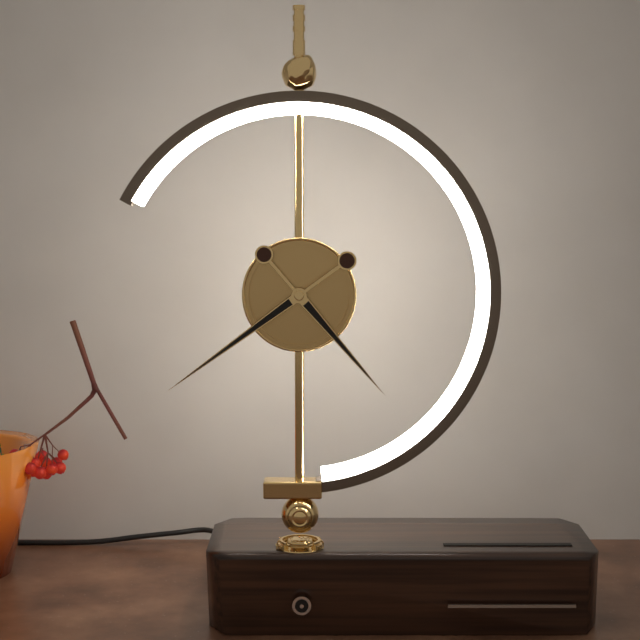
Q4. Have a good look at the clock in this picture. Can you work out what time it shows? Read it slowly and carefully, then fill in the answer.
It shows 4:39
